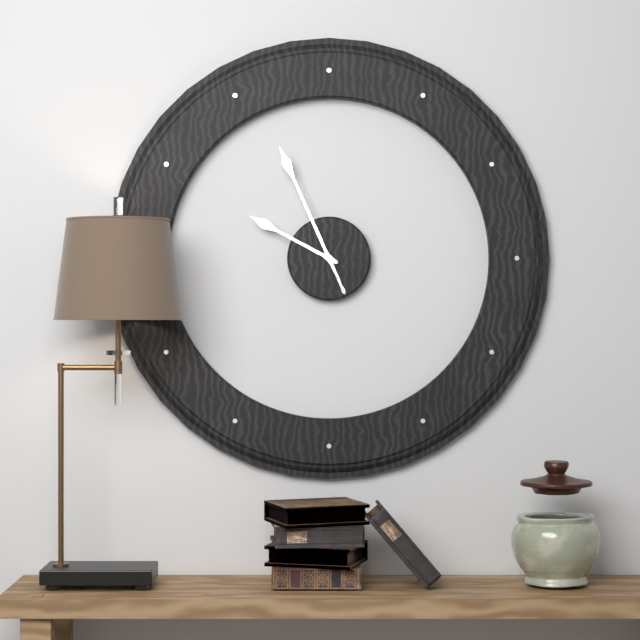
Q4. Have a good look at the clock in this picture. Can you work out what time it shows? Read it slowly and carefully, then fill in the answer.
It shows 9:56
